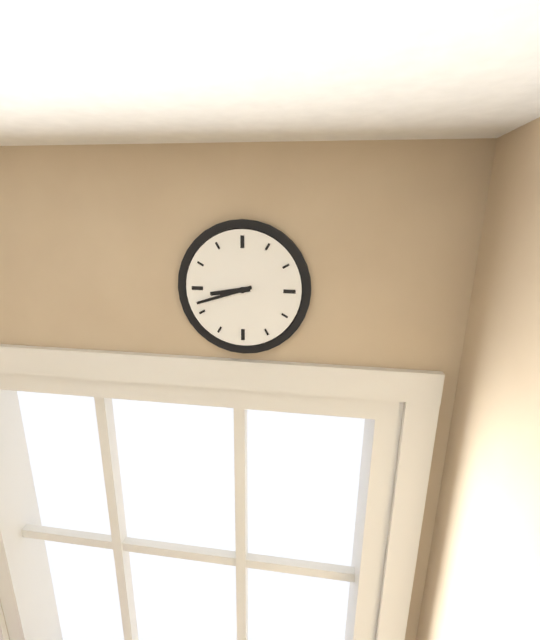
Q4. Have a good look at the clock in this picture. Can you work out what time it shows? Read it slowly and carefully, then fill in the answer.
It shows 8:42
